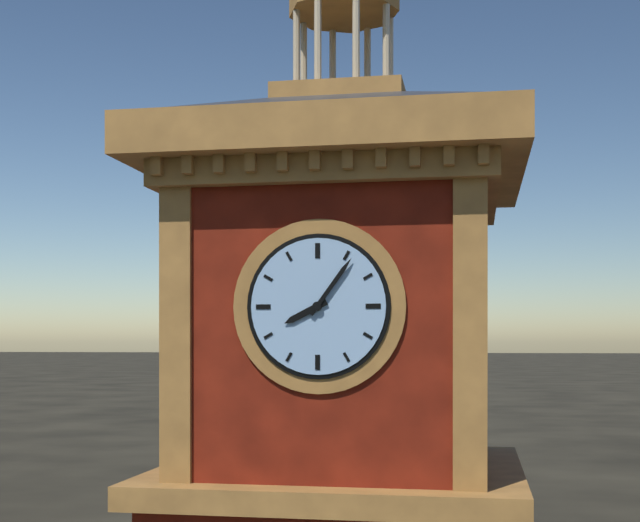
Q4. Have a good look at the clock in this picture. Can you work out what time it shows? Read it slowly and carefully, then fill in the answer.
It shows 8:06
